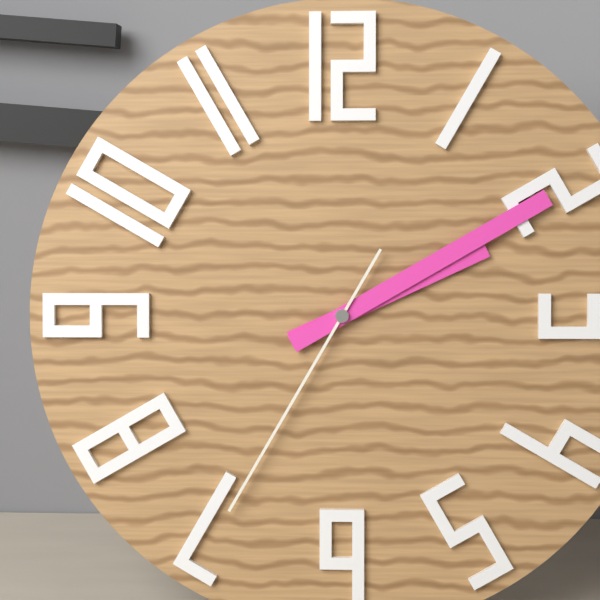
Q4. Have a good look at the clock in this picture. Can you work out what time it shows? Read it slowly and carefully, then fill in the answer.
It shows 2:10:35
